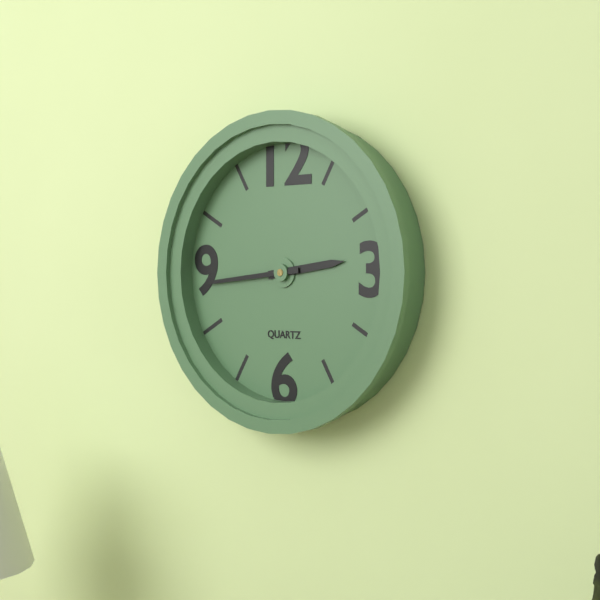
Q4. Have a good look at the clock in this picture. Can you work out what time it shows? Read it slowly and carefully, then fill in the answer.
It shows 2:44
